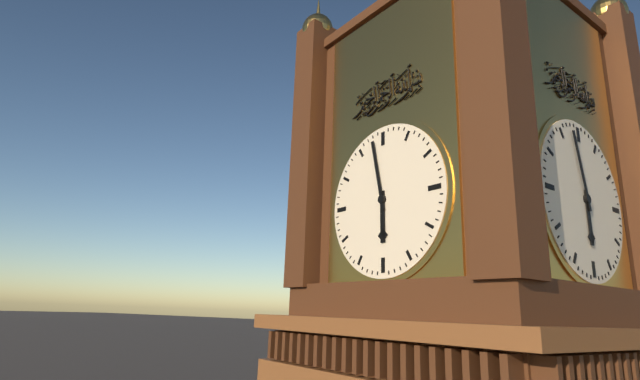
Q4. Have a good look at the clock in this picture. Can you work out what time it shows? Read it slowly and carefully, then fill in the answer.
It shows 5:58
